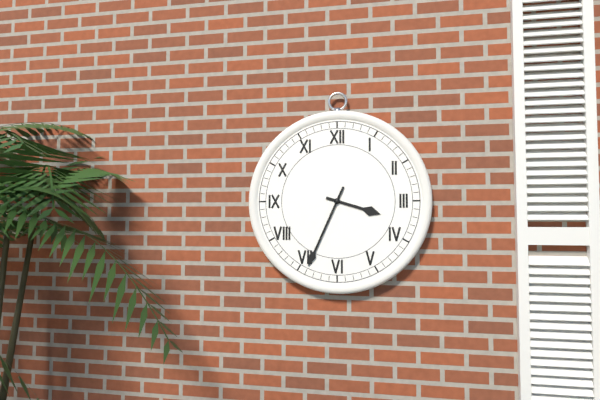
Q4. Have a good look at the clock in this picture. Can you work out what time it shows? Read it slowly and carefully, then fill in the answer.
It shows 3:34
